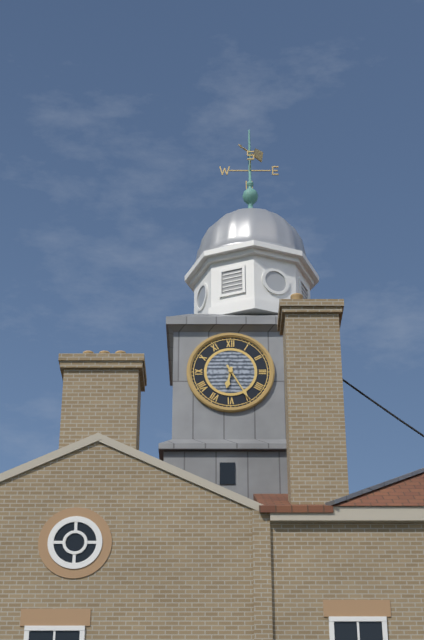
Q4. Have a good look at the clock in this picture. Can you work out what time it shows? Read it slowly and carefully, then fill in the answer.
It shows 6:25
